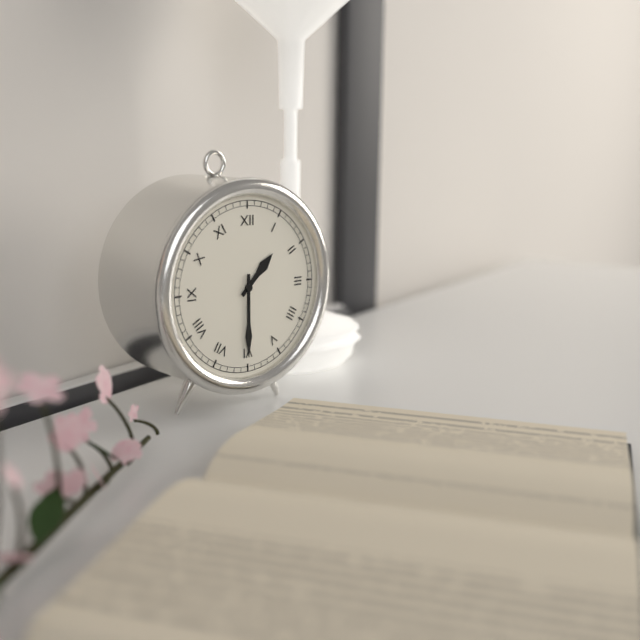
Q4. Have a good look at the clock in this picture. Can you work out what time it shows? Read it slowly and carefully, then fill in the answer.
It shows 1:30
